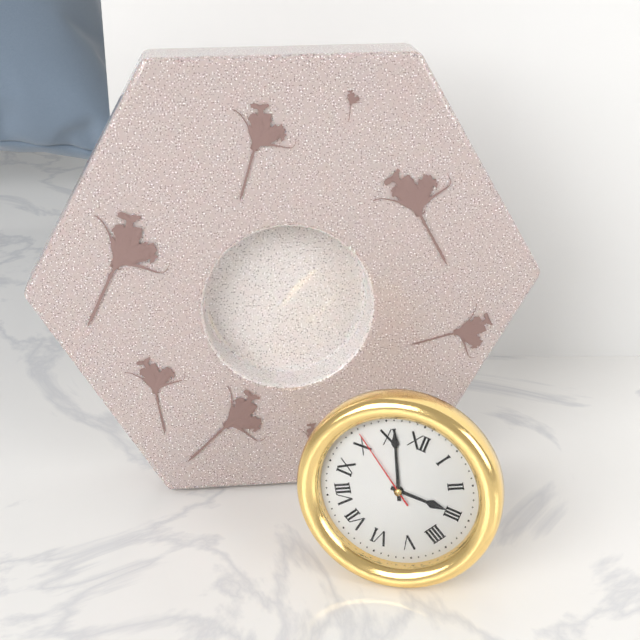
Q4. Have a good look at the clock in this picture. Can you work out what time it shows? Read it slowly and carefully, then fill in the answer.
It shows 2:56:51
